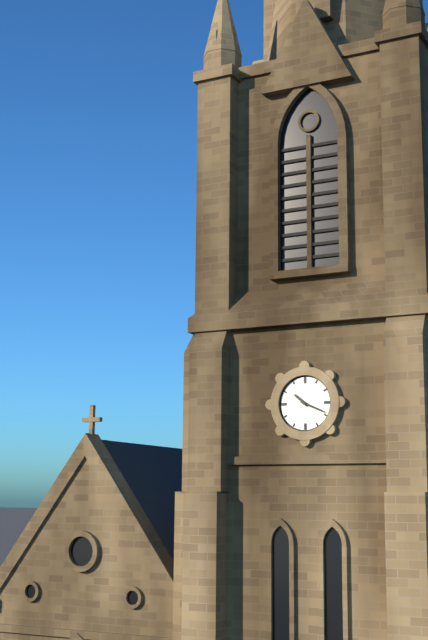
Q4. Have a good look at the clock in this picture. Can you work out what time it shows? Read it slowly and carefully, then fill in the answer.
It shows 10:19
